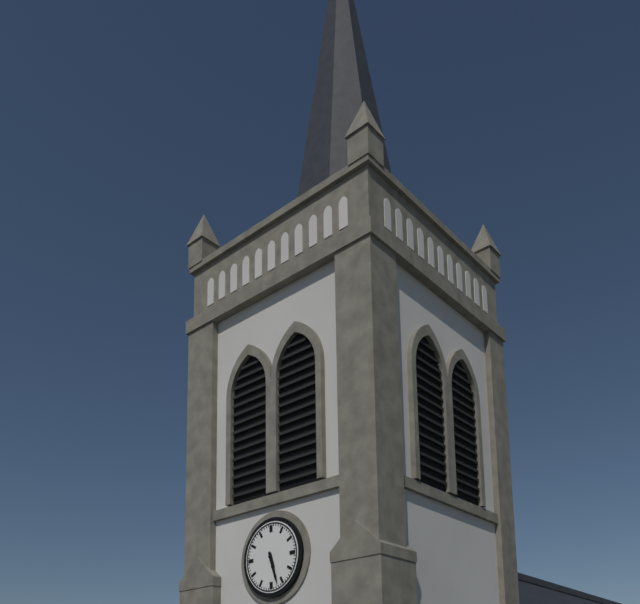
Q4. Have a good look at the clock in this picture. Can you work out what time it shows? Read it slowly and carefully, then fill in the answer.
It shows 5:27
